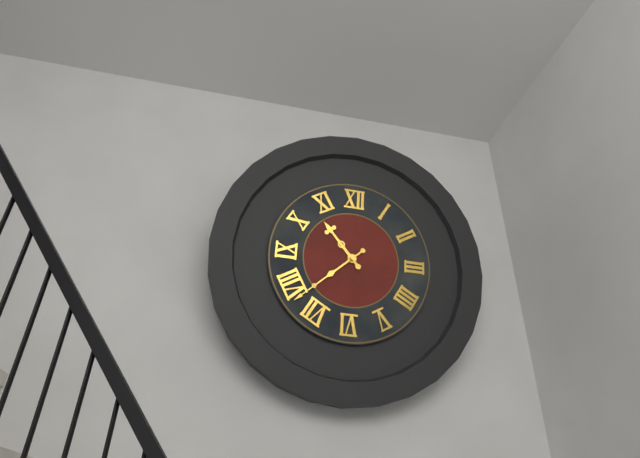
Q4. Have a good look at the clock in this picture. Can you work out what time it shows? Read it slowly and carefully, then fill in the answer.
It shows 10:38
